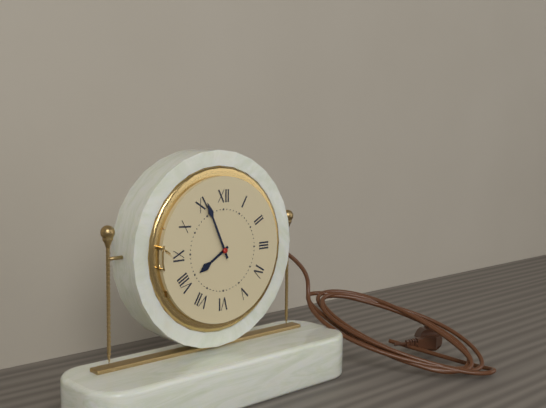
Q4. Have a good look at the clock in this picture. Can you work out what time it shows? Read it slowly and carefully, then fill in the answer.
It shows 7:56
